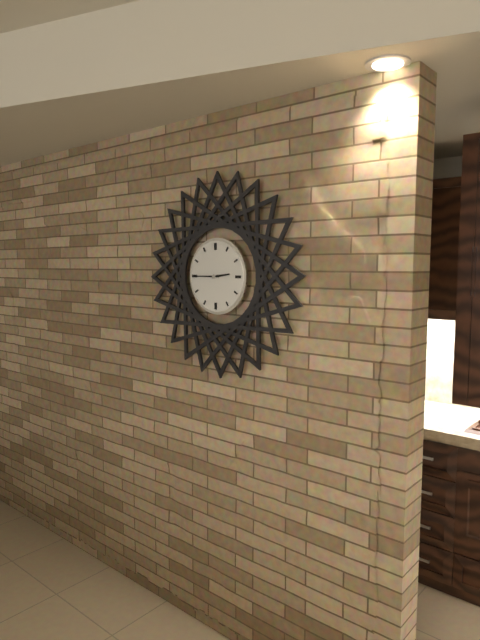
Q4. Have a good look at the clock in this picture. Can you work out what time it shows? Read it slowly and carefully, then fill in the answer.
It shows 2:45
